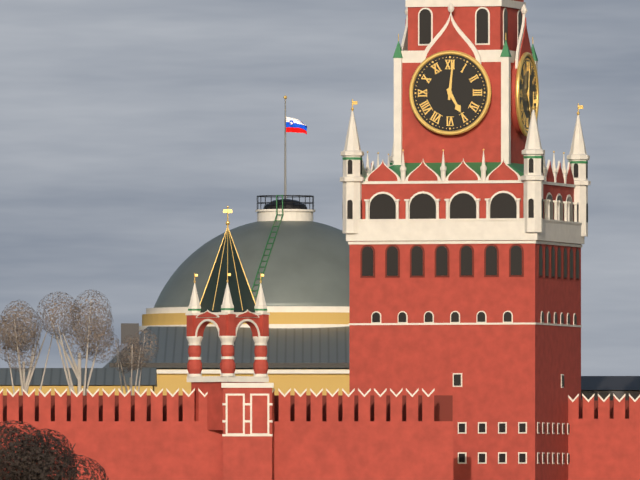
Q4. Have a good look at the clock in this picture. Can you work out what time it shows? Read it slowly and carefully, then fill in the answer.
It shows 5:01
